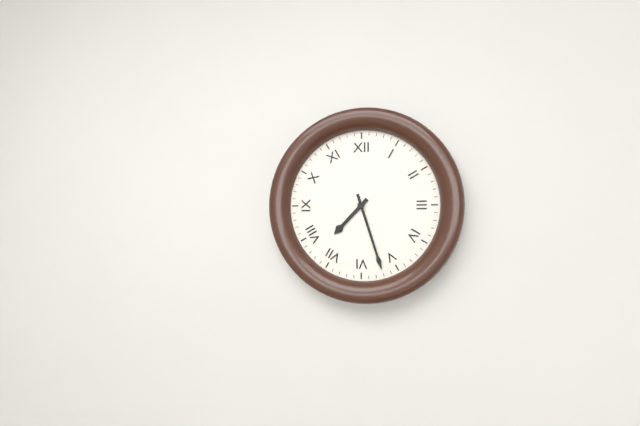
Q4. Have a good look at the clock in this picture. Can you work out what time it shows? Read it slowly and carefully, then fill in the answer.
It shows 7:27
